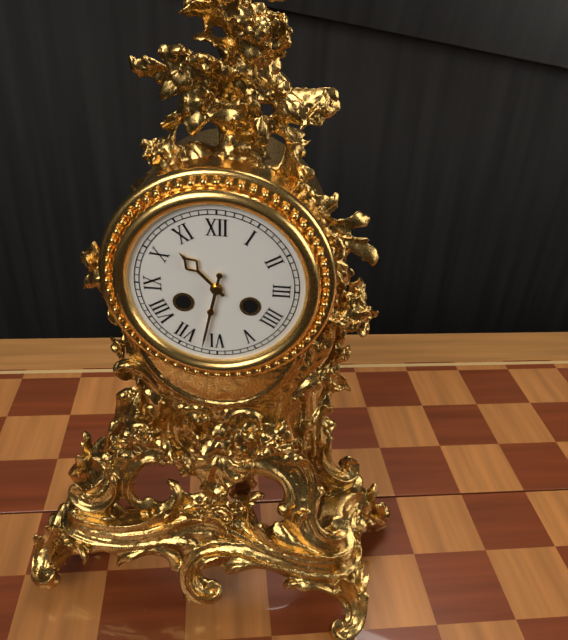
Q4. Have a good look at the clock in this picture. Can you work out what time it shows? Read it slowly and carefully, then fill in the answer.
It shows 10:32
